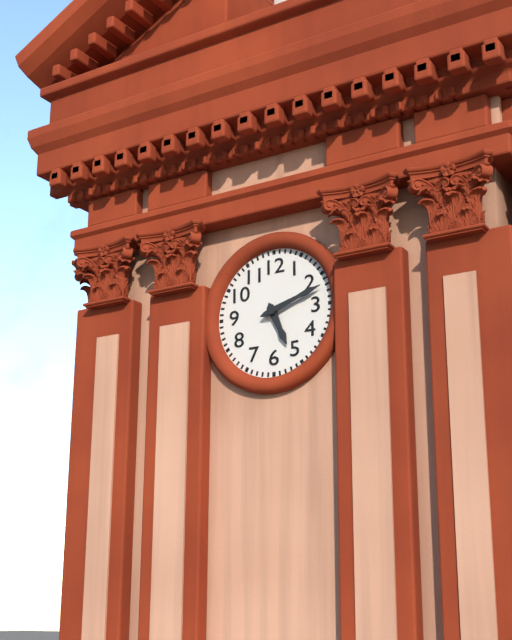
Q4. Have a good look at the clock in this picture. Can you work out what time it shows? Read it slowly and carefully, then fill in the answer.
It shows 5:12
